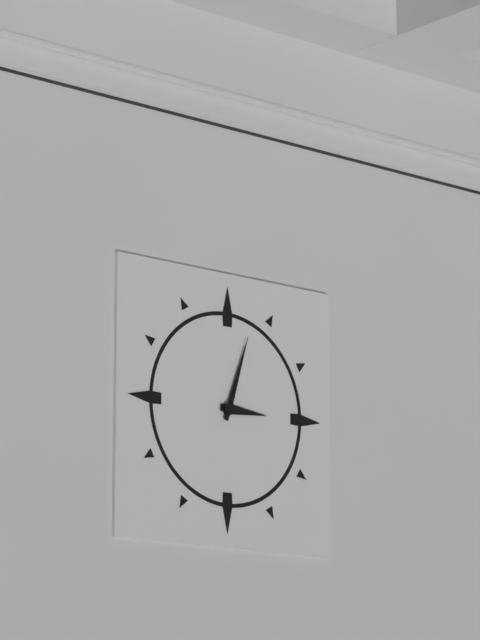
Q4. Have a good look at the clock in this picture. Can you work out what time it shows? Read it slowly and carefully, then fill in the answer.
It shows 3:03
